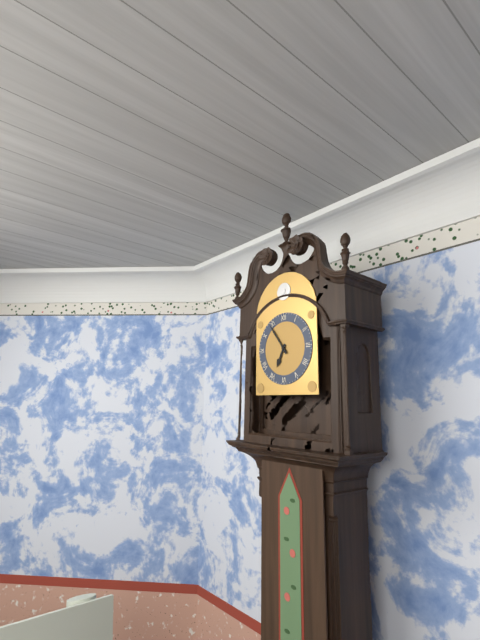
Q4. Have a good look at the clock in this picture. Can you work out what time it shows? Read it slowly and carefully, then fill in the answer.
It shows 6:54
